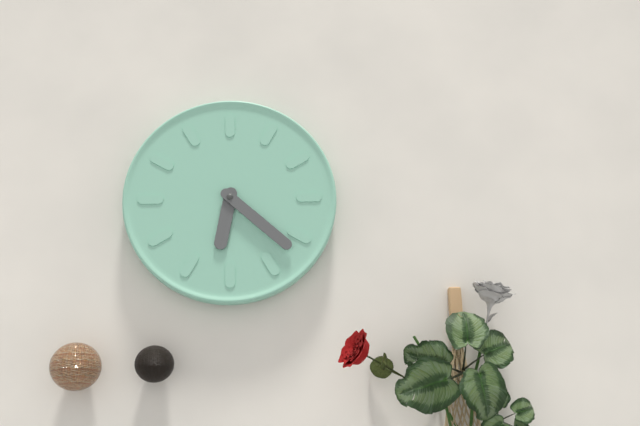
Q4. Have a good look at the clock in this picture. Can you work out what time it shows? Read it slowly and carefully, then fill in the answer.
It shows 6:22
